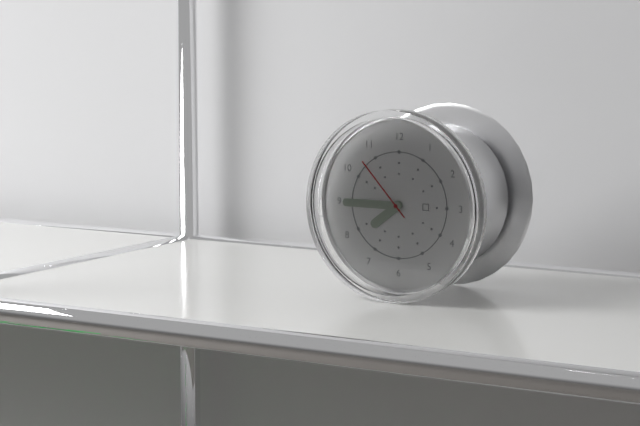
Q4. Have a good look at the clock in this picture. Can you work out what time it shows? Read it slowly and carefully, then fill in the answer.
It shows 7:45:53
